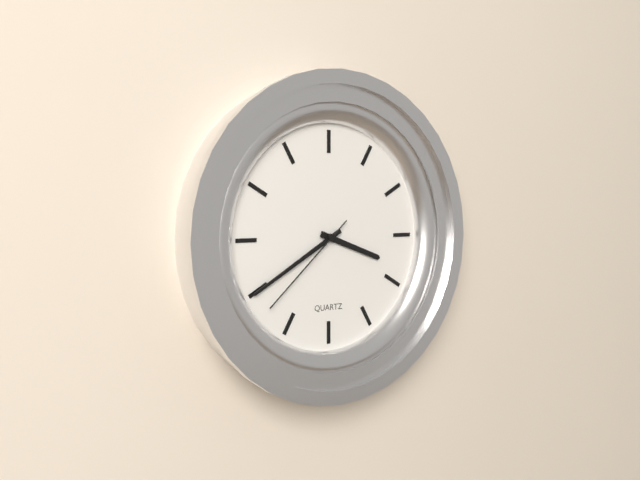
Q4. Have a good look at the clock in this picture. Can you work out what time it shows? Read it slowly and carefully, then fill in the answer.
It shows 3:40:38
